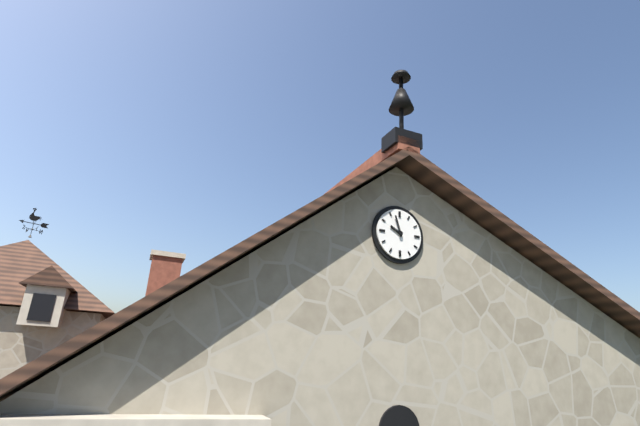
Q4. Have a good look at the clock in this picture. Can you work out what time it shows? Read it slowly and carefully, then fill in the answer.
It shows 9:57
